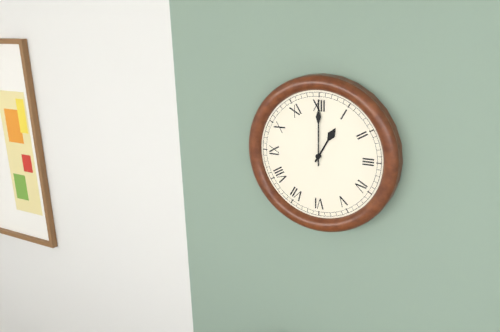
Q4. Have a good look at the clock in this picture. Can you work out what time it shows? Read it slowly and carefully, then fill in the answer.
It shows 1:00
